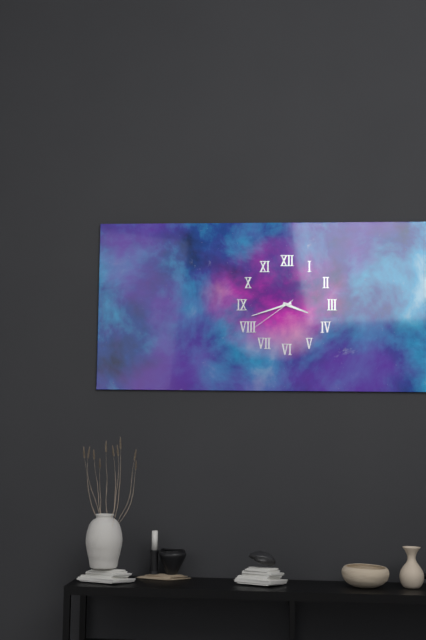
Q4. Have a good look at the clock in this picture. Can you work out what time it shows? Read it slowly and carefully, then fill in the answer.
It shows 3:42:39
